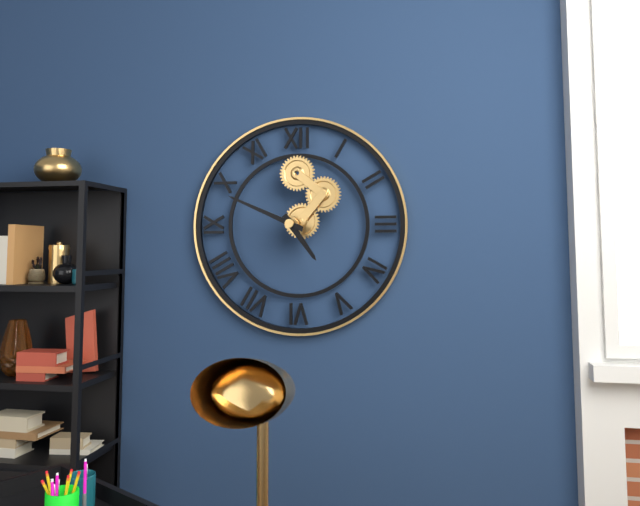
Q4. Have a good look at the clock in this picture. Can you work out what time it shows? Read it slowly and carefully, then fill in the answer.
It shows 4:49
